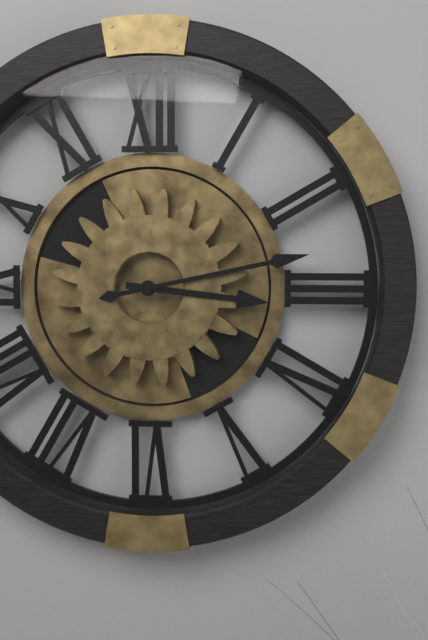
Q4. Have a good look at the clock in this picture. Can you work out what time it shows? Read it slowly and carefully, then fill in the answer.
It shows 3:13
